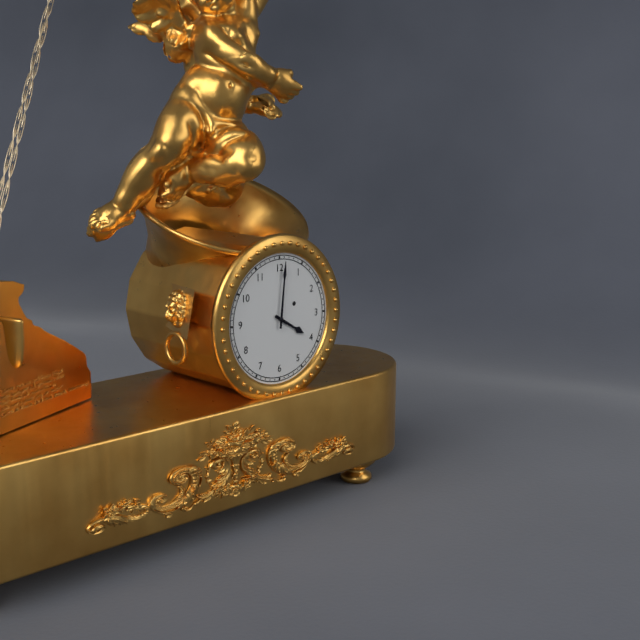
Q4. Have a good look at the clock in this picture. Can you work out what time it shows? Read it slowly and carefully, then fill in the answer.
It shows 4:01
